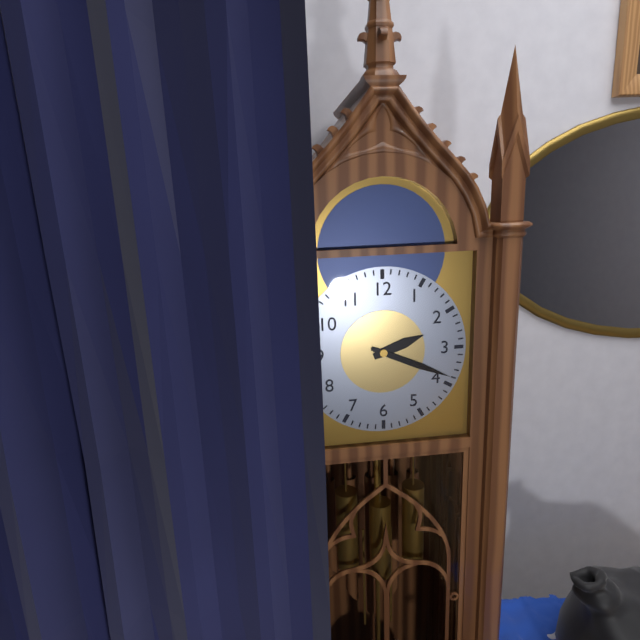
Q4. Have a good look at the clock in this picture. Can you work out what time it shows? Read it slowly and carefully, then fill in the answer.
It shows 2:19
